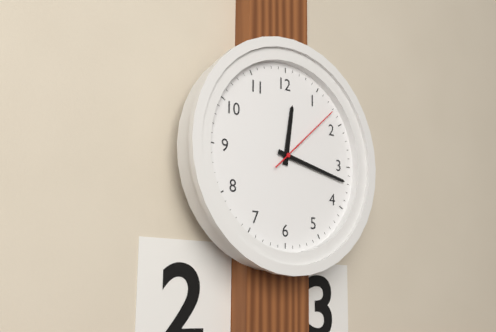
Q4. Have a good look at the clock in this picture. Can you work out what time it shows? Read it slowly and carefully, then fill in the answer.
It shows 12:17:08
